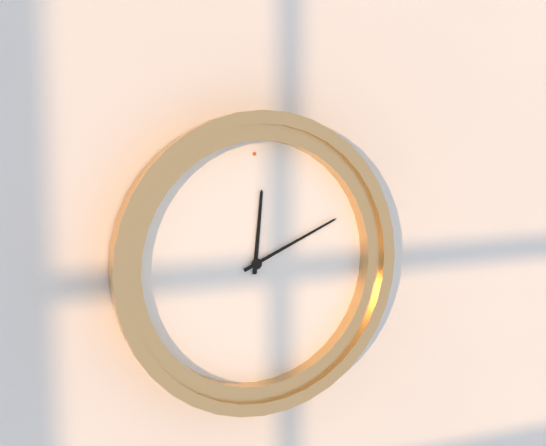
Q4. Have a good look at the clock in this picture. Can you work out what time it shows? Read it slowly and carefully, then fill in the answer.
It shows 12:11
